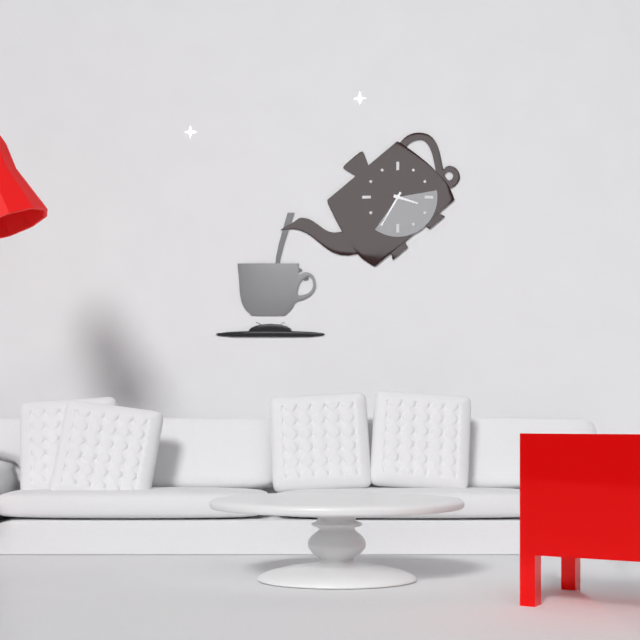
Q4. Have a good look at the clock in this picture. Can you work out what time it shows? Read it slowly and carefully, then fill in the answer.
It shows 3:35
